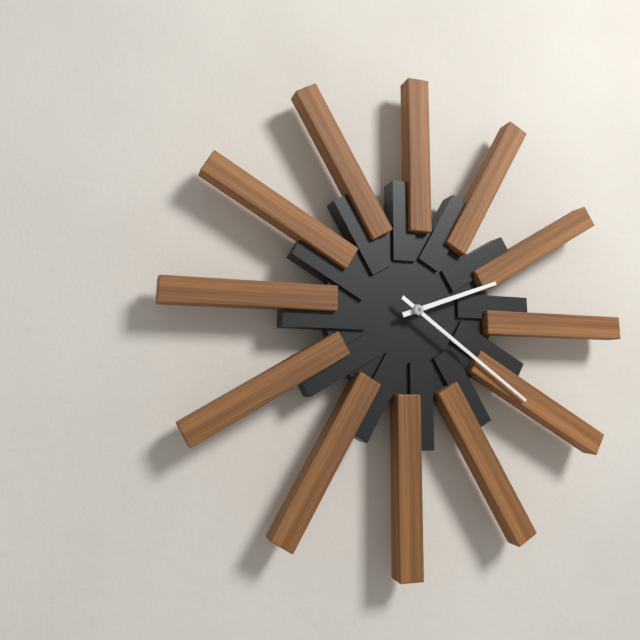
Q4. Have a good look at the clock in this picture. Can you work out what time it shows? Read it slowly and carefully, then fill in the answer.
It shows 2:21
